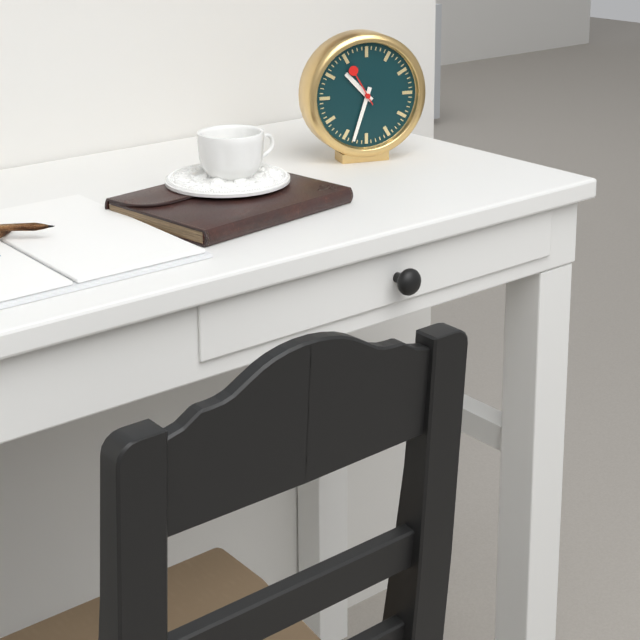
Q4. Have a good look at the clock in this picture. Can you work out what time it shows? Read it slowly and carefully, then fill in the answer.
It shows 10:33
